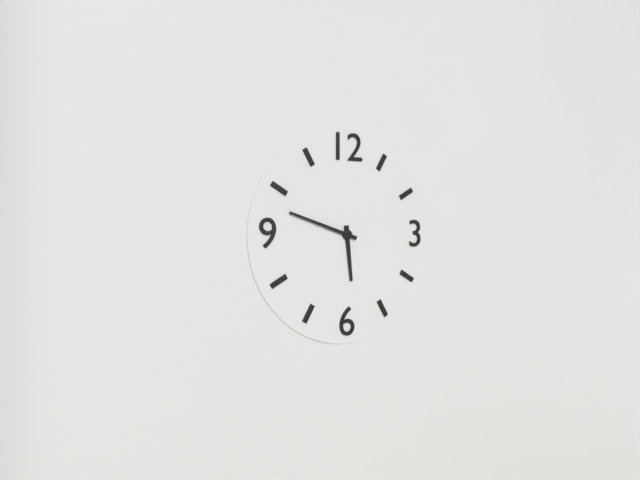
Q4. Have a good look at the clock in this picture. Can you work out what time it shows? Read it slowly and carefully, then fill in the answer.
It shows 5:48
